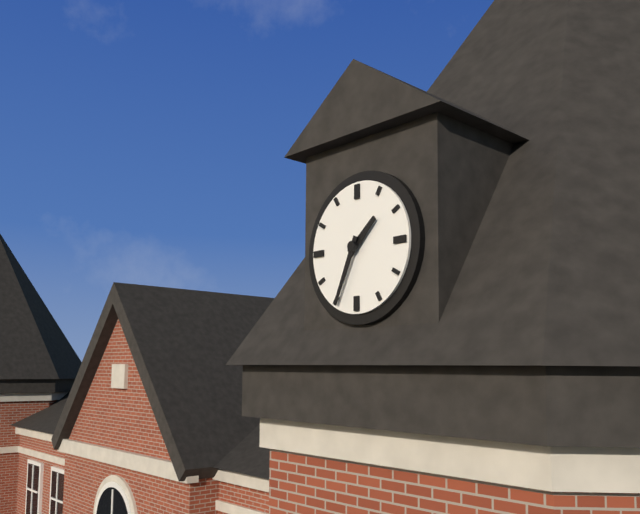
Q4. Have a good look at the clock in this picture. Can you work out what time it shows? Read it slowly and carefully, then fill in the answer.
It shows 1:34
